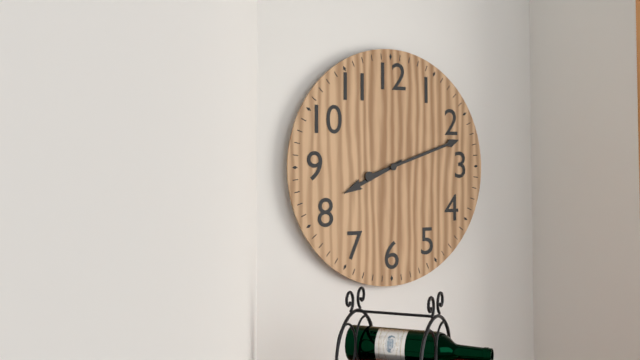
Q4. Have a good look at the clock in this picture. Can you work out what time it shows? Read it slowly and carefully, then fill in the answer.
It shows 8:12
